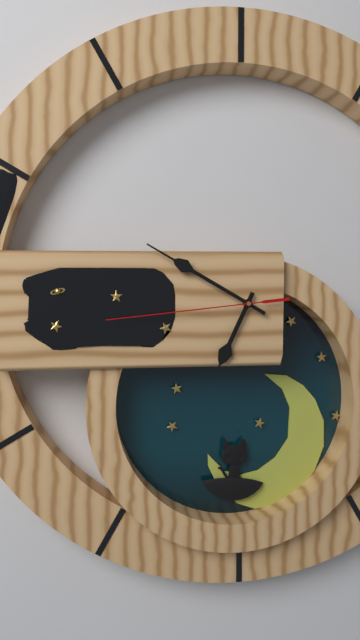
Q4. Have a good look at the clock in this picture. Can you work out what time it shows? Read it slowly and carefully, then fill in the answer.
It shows 6:50:44
